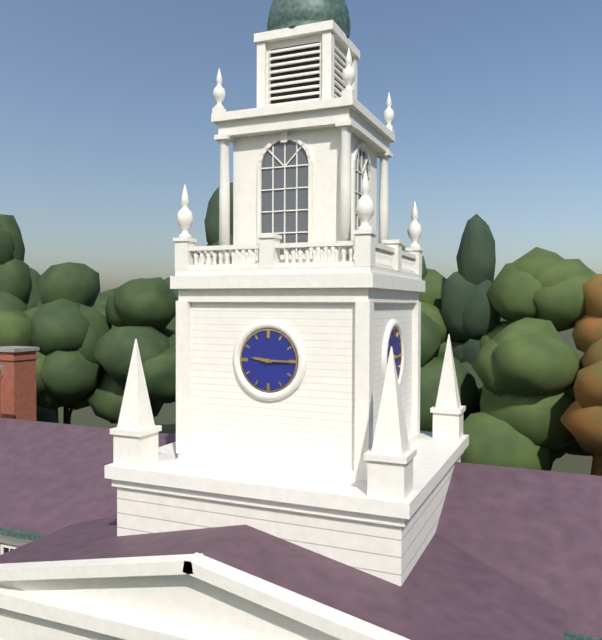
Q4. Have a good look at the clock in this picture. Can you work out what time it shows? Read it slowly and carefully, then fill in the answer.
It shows 9:15
